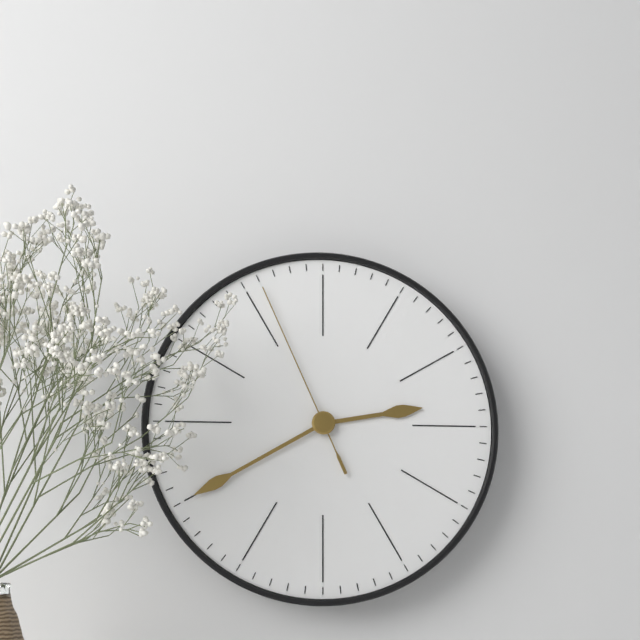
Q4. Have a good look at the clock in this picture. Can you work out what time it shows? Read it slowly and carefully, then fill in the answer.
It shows 2:40:56
